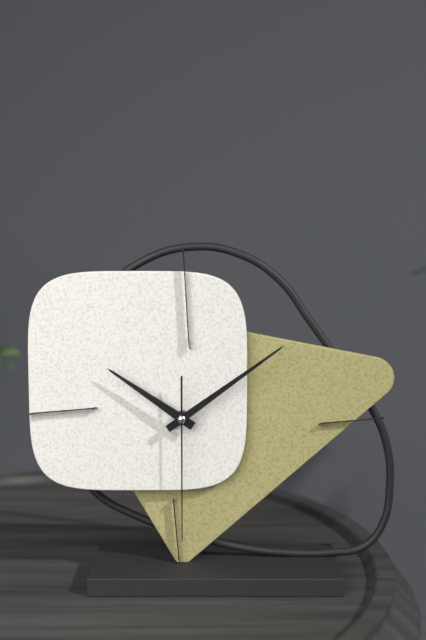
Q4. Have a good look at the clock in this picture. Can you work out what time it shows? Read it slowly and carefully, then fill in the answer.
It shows 10:09:30
